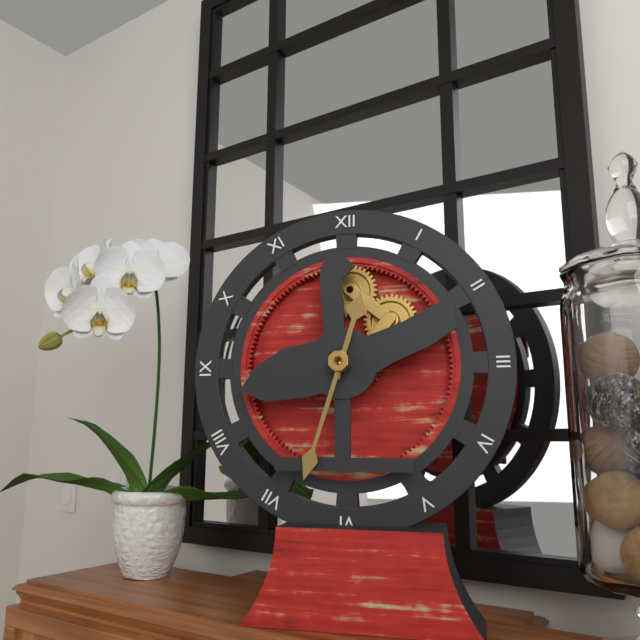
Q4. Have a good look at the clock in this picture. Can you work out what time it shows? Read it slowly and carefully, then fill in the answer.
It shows 12:33
